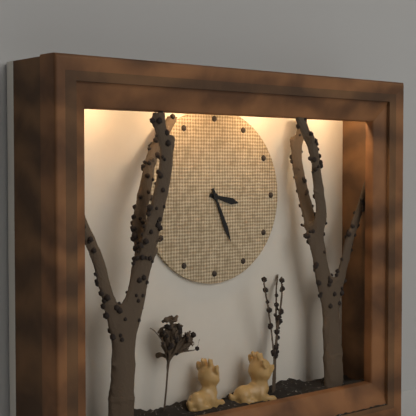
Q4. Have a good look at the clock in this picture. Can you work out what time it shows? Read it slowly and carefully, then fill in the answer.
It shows 3:26
